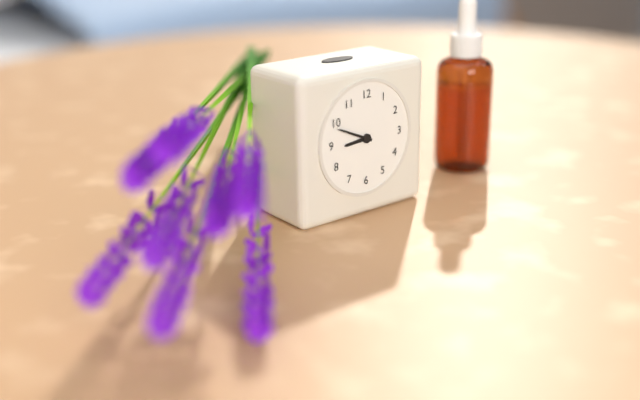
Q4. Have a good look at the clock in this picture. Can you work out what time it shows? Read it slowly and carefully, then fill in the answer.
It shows 8:49
